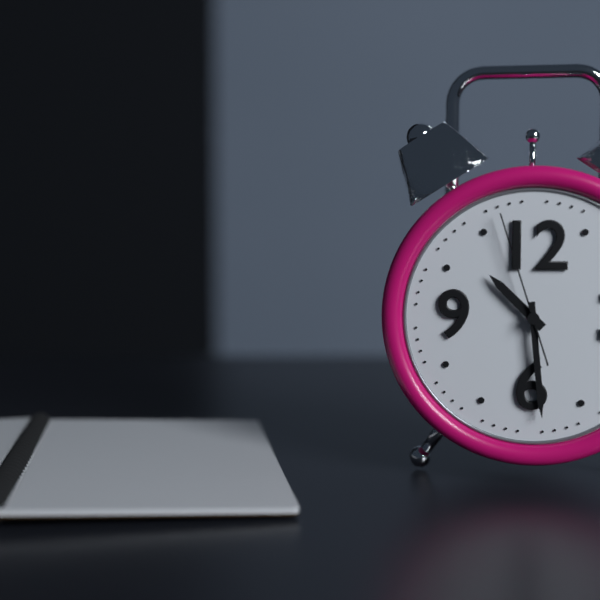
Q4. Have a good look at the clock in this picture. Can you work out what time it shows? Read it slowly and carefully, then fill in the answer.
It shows 10:29:57
